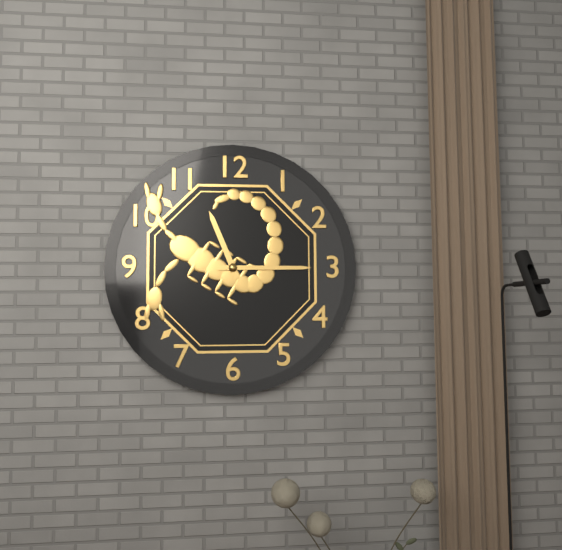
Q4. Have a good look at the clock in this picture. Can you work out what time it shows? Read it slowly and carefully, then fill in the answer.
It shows 11:15
